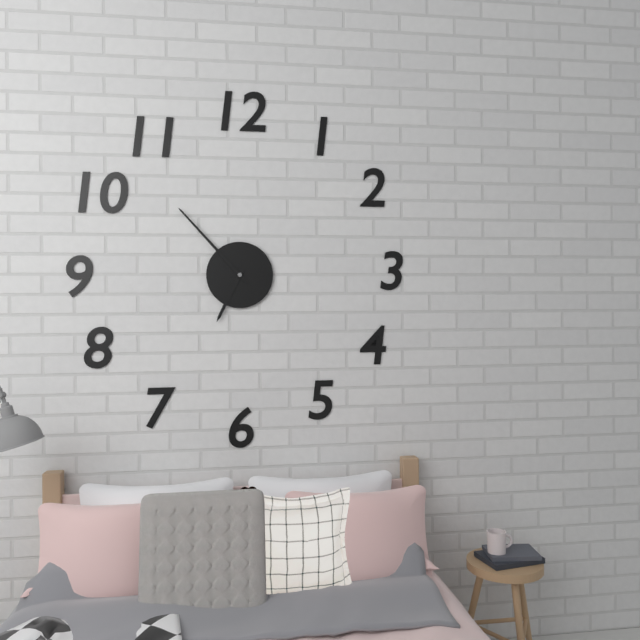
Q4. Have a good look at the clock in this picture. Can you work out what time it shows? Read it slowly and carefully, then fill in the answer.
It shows 6:53
